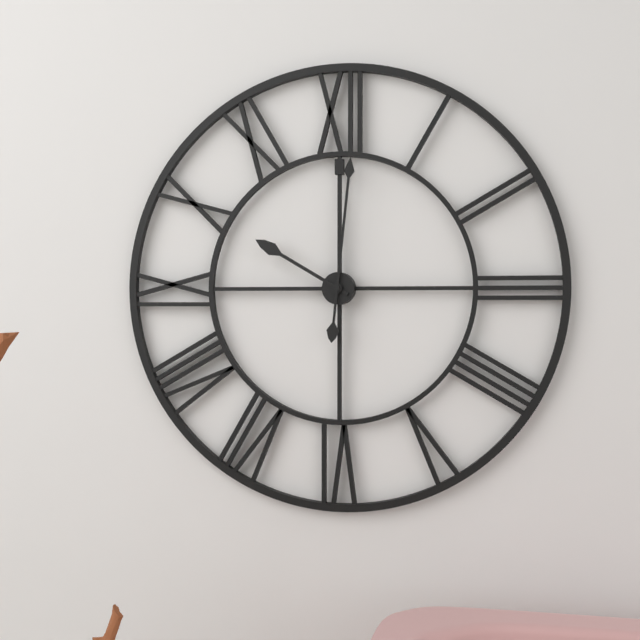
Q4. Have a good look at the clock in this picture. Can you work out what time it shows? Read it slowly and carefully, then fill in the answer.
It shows 10:01
